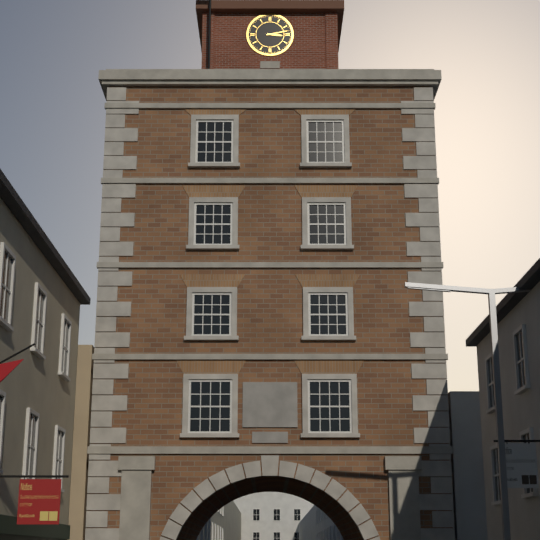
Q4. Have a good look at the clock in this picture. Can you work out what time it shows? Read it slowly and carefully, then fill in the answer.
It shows 3:13
